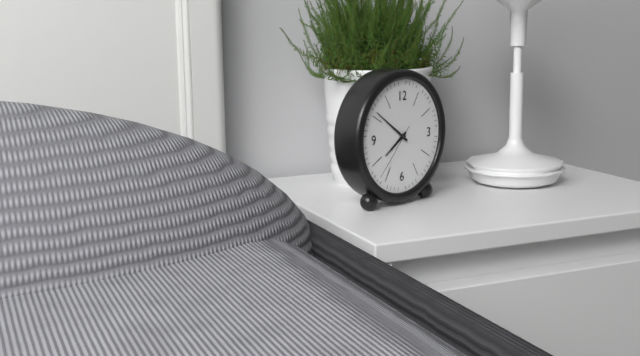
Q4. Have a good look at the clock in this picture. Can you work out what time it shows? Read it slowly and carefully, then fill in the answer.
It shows 7:51:37
